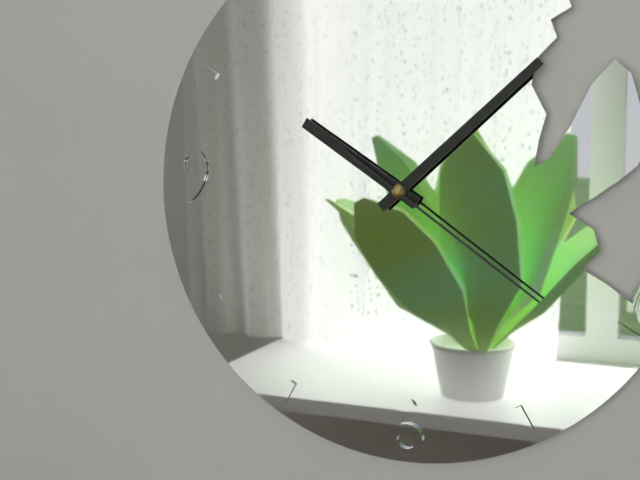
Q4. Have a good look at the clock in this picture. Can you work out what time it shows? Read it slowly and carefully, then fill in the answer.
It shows 10:08:21
